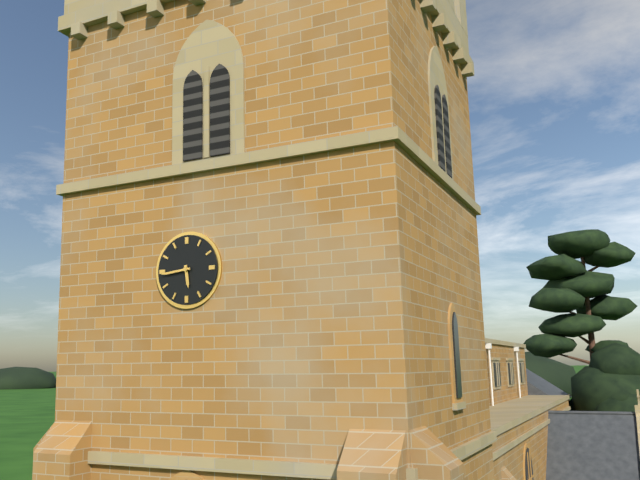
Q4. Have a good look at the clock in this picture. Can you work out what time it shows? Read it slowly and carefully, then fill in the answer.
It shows 5:44
